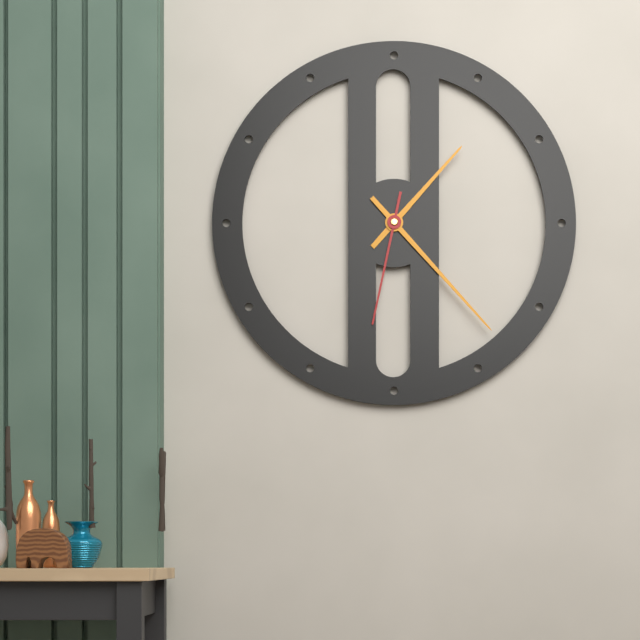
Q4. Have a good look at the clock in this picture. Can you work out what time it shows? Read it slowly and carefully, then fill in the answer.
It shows 1:23:32
